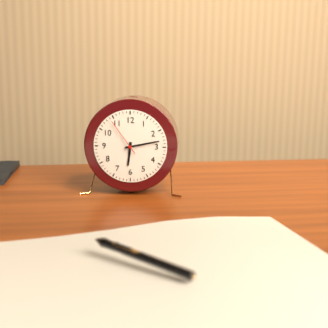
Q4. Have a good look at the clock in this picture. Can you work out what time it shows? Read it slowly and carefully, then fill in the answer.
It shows 6:13
